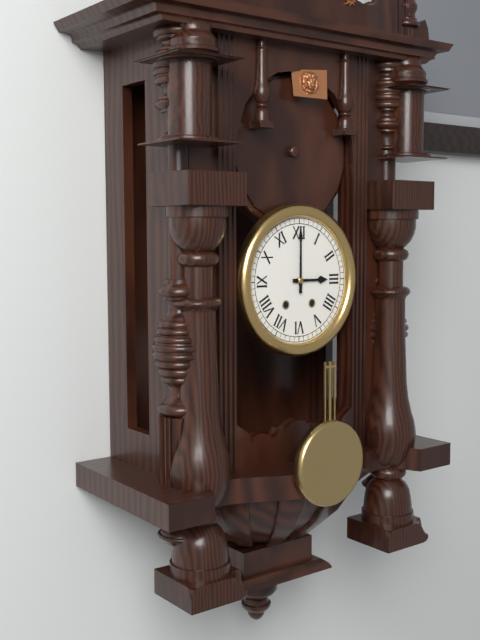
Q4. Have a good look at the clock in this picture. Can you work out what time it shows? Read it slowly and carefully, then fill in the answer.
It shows 3:00
